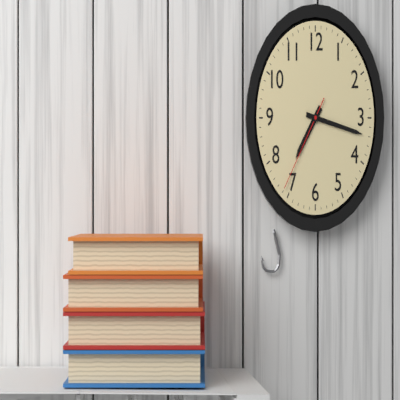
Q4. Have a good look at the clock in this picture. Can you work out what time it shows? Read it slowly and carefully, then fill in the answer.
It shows 7:17:36
